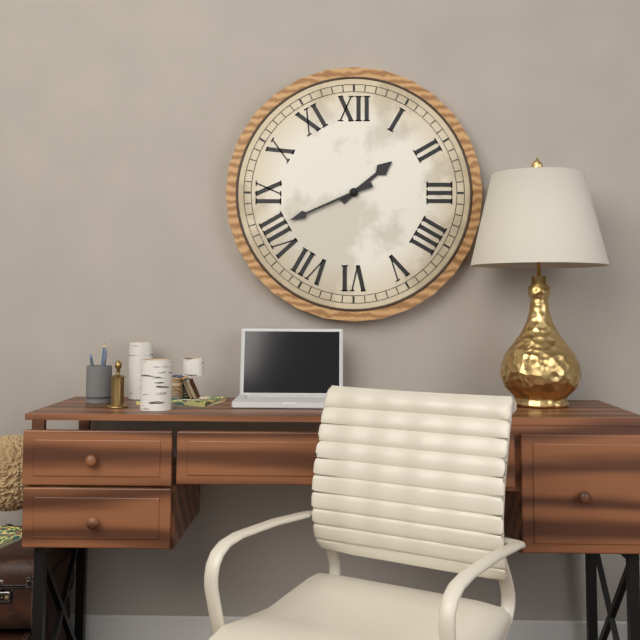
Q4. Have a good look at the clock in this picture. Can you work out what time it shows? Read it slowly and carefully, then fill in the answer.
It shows 1:41
